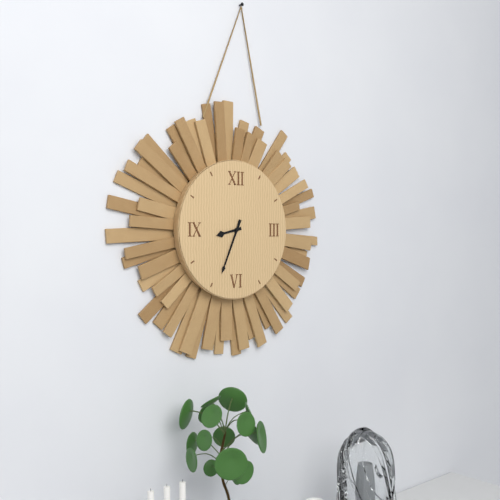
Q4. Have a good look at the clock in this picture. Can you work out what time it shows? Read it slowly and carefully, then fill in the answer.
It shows 8:34
